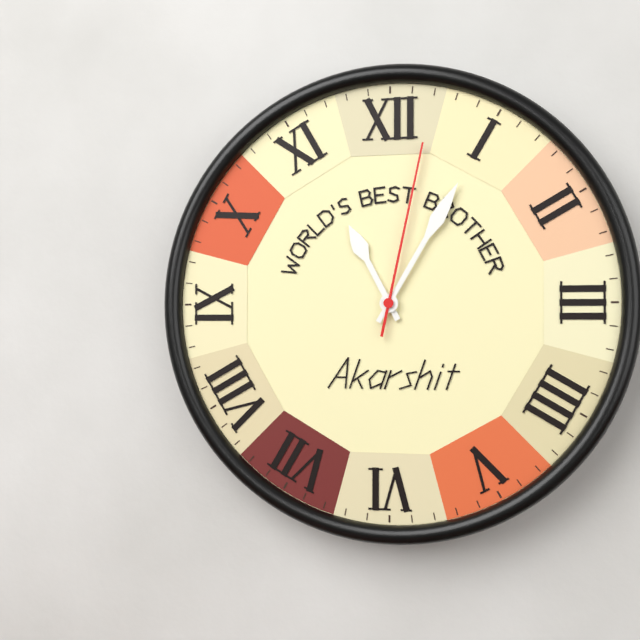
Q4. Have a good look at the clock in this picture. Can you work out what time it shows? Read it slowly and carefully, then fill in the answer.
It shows 11:05:02
